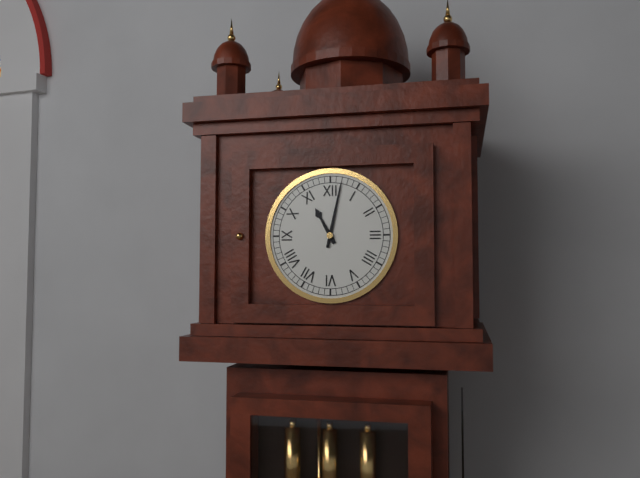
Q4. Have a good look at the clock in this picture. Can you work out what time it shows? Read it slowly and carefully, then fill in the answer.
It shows 11:02
